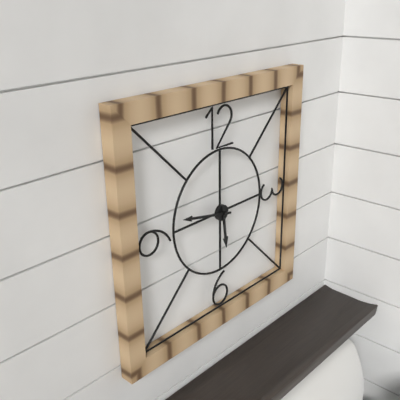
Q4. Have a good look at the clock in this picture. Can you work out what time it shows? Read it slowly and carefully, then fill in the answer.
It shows 5:47
